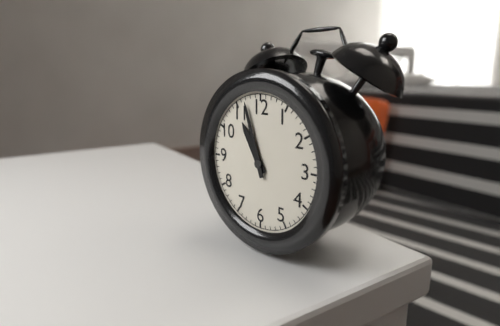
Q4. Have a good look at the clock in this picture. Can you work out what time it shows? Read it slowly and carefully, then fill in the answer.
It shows 10:57
